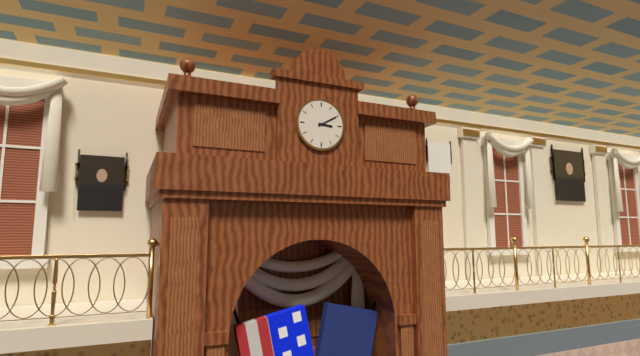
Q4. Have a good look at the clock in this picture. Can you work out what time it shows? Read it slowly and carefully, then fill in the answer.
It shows 3:10
